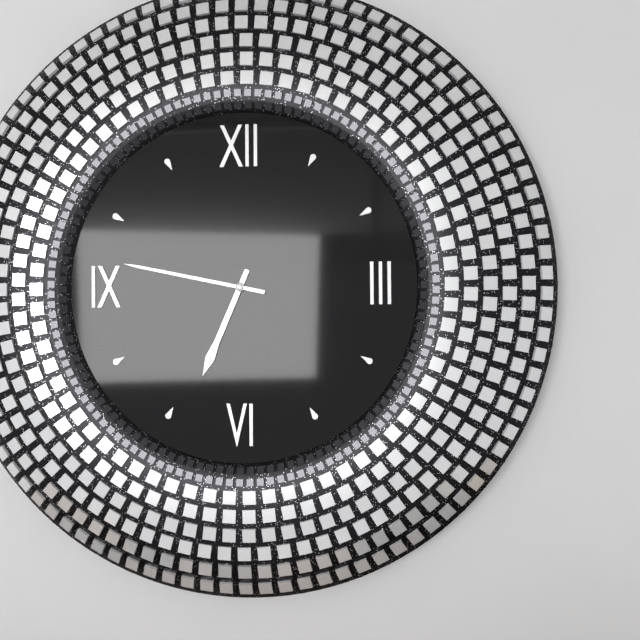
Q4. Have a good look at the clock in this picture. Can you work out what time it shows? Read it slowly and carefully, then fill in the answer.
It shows 6:47
